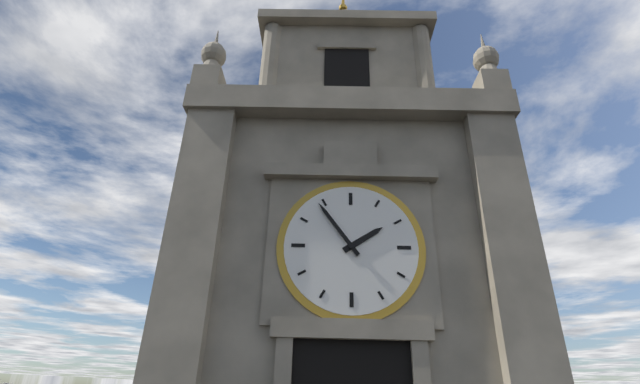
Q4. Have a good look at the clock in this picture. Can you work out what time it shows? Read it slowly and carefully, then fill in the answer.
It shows 1:54
